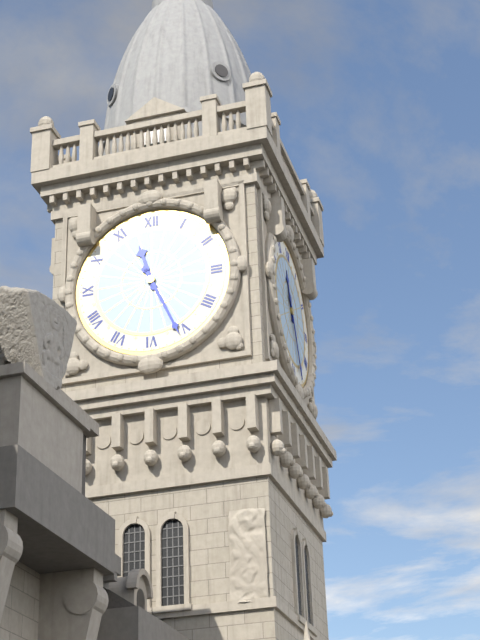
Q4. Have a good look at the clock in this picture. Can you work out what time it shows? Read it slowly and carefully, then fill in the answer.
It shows 11:26
